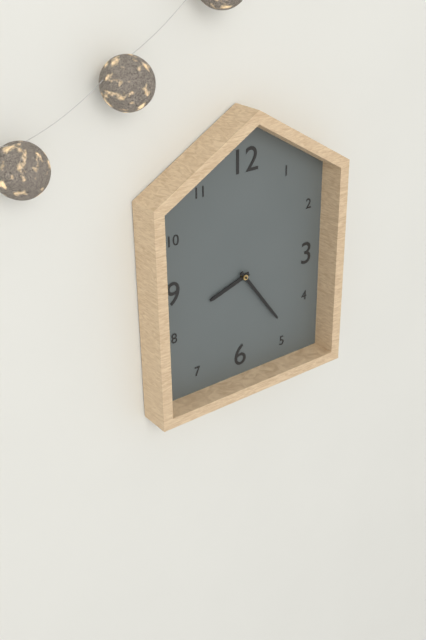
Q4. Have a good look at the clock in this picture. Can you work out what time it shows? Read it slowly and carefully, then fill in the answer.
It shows 8:24
